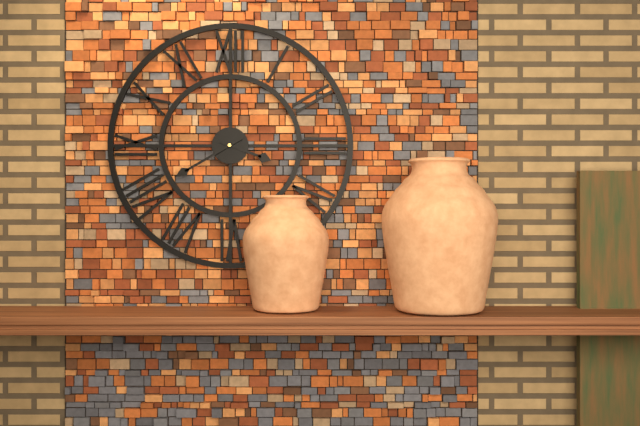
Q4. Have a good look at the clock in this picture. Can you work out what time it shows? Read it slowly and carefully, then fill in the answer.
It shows 3:40
